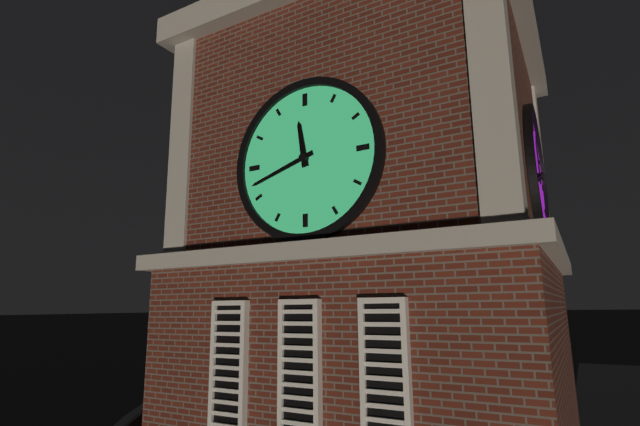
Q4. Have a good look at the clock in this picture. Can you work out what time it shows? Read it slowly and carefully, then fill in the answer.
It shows 11:42
